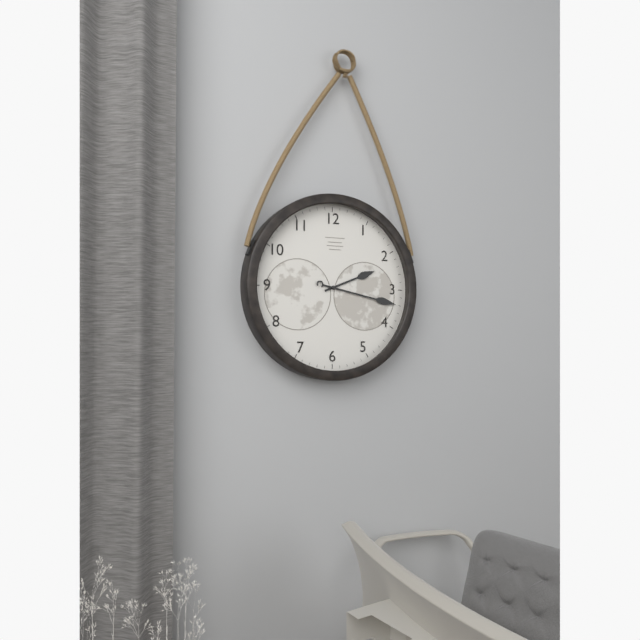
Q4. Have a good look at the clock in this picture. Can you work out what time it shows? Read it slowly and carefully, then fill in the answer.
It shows 2:17
